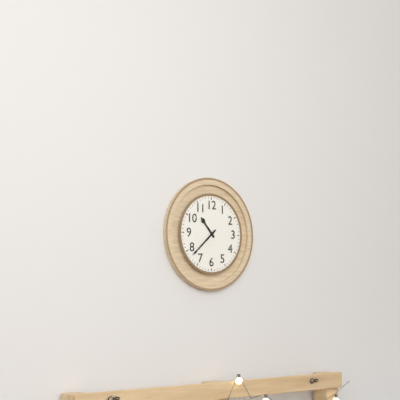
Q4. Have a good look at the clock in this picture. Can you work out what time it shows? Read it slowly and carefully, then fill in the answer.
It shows 10:38
